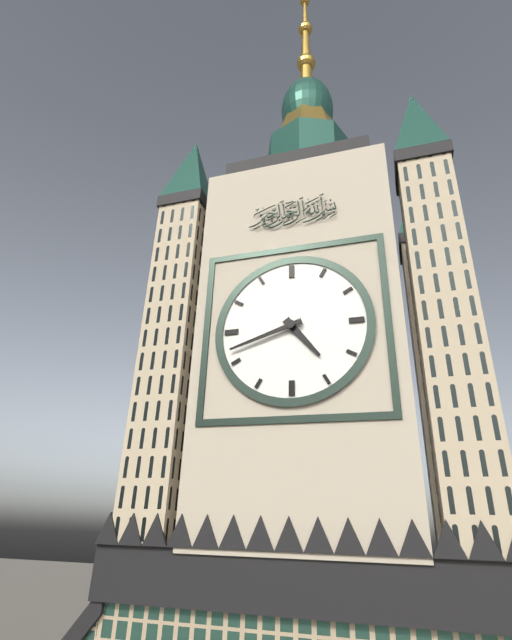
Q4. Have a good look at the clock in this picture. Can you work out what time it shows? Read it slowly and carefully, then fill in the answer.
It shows 4:42
